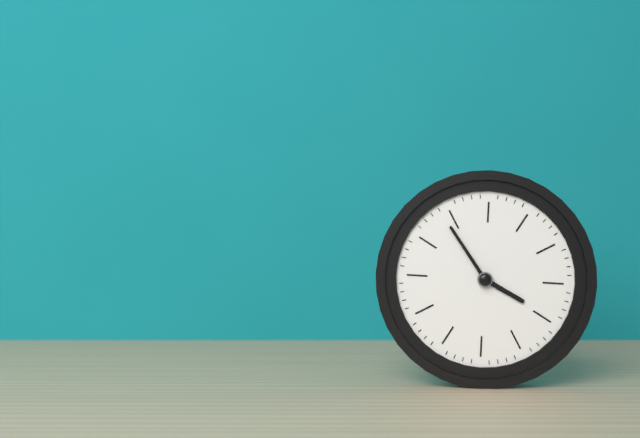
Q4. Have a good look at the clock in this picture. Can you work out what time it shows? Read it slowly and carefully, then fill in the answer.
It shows 3:54
